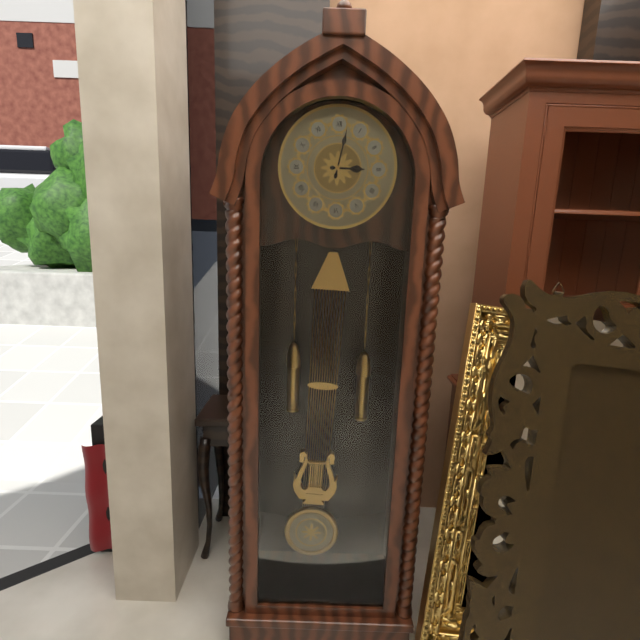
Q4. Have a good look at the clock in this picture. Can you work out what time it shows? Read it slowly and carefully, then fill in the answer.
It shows 3:02
